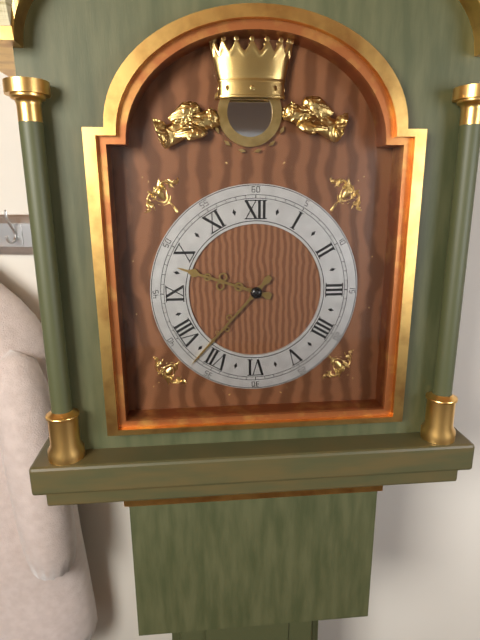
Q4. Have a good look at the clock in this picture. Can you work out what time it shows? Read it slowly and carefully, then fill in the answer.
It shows 9:37
